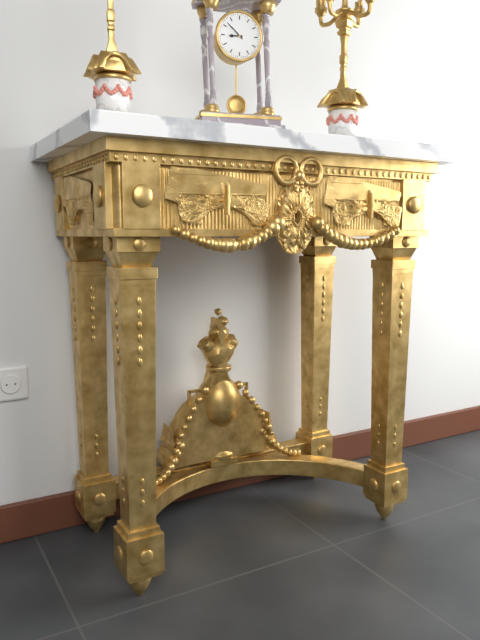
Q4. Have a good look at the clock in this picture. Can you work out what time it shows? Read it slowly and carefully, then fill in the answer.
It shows 8:52
